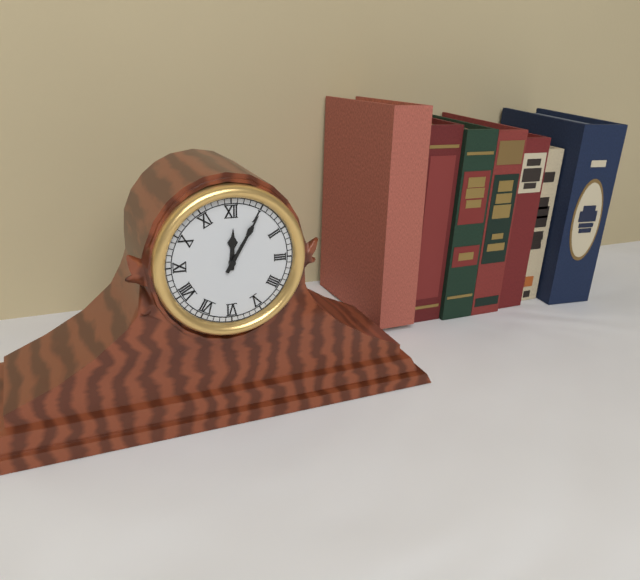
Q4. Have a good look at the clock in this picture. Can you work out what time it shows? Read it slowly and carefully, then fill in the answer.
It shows 12:05
